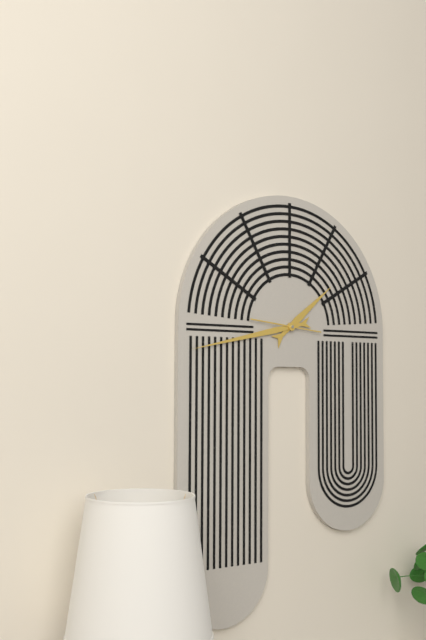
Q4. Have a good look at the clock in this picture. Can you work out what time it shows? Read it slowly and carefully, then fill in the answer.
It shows 1:43:46
